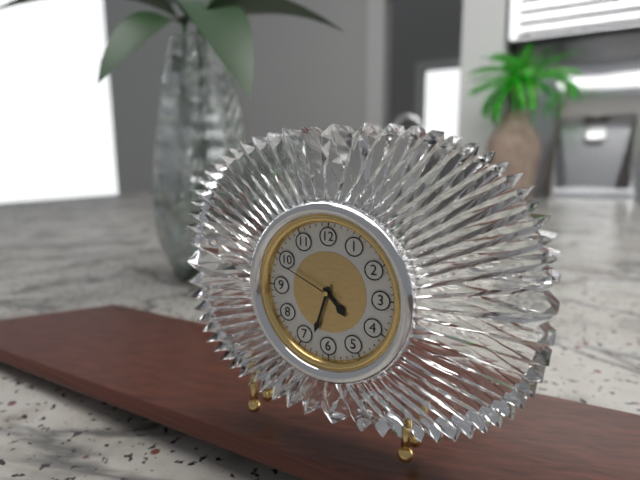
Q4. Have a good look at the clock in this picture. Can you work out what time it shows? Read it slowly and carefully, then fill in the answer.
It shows 4:33:49
